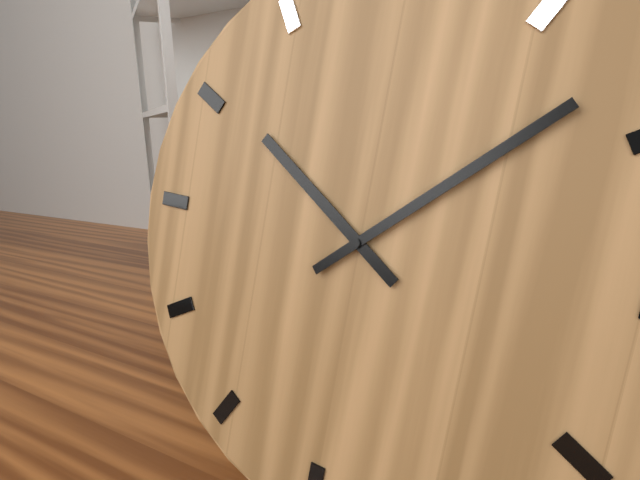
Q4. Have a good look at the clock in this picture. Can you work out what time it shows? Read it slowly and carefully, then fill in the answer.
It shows 10:08
